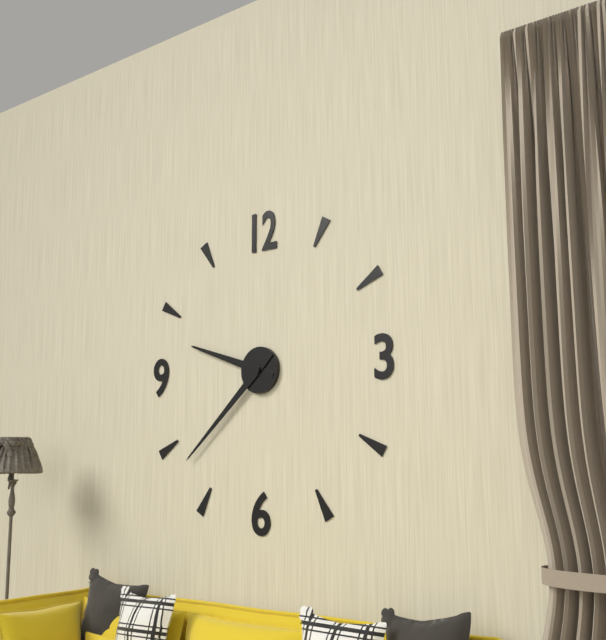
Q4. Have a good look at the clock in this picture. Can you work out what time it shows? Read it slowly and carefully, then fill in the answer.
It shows 9:38
